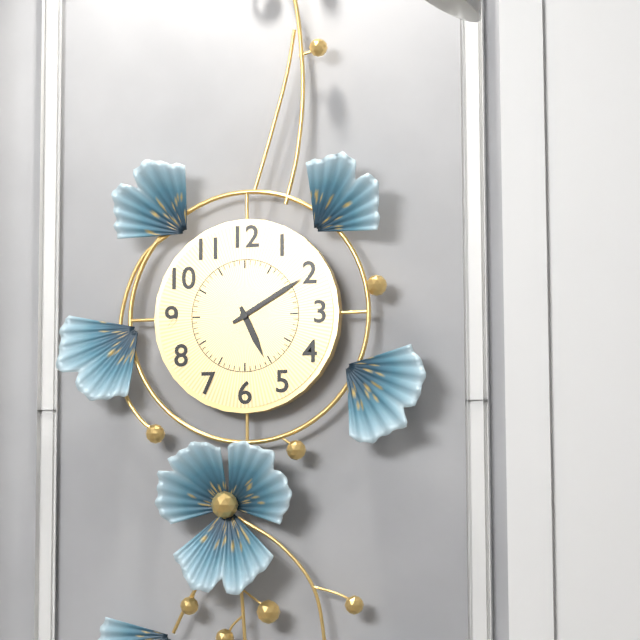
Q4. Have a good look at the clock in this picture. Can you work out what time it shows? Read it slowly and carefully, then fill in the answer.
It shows 5:10
